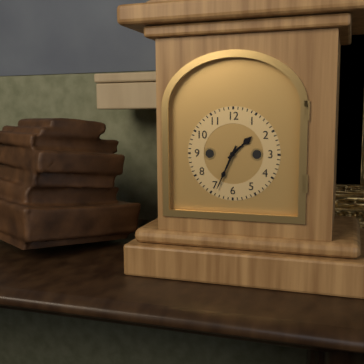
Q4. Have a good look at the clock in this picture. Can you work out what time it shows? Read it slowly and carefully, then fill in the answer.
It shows 1:34
